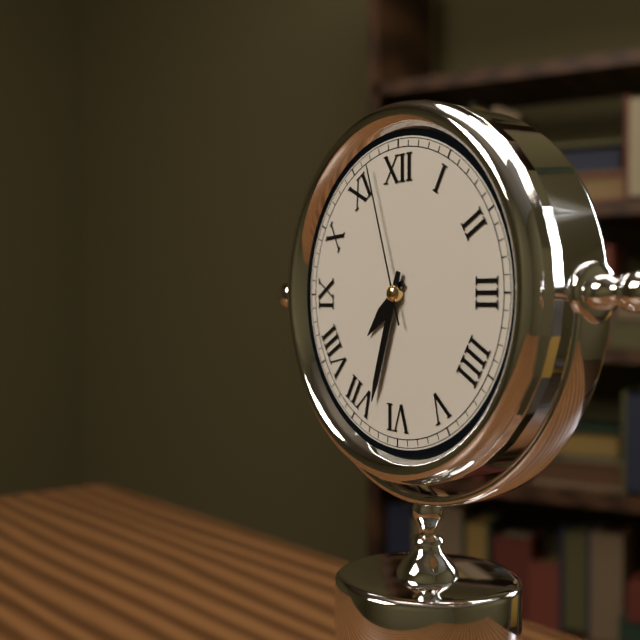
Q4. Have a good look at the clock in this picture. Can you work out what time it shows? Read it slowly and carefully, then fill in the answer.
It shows 7:33:57
